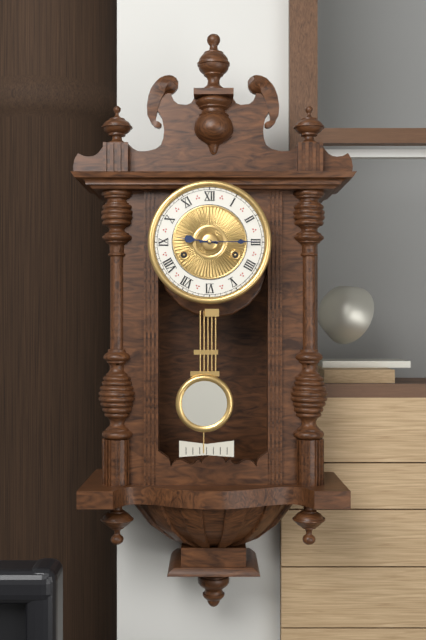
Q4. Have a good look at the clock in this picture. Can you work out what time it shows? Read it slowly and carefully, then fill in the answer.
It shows 9:15
